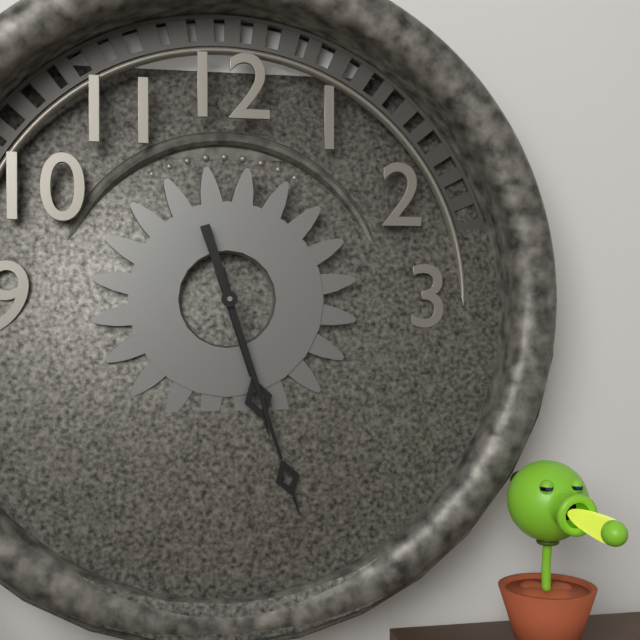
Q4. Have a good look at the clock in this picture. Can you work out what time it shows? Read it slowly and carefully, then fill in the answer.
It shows 5:27
